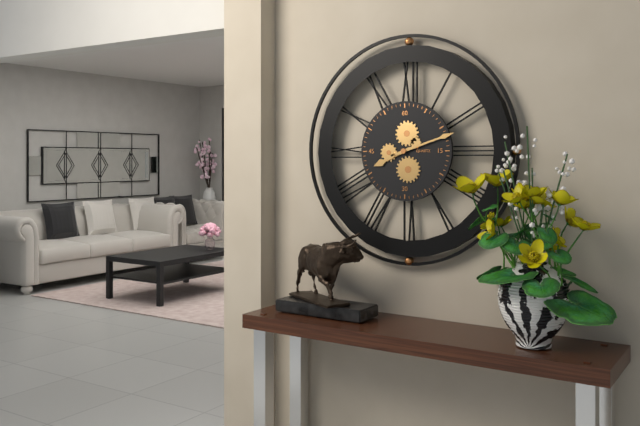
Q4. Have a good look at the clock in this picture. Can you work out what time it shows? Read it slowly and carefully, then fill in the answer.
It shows 8:12
